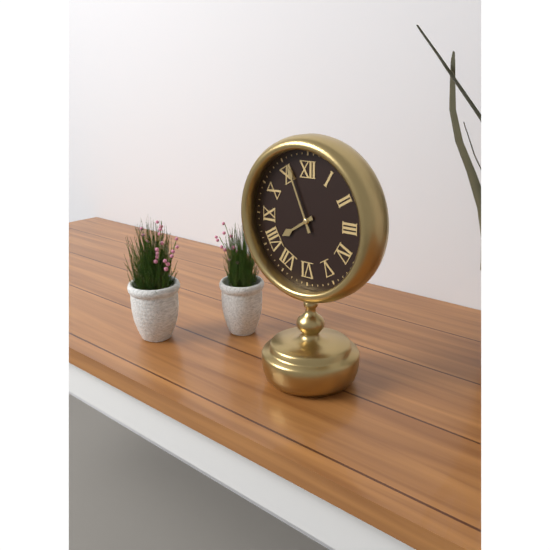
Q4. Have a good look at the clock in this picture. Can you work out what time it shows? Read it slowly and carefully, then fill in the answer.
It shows 7:56
